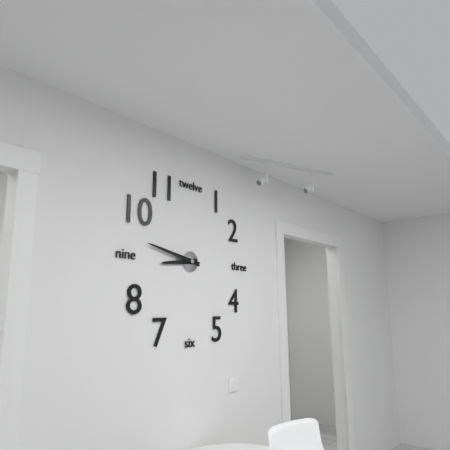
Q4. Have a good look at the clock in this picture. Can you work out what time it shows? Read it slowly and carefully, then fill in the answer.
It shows 8:47
